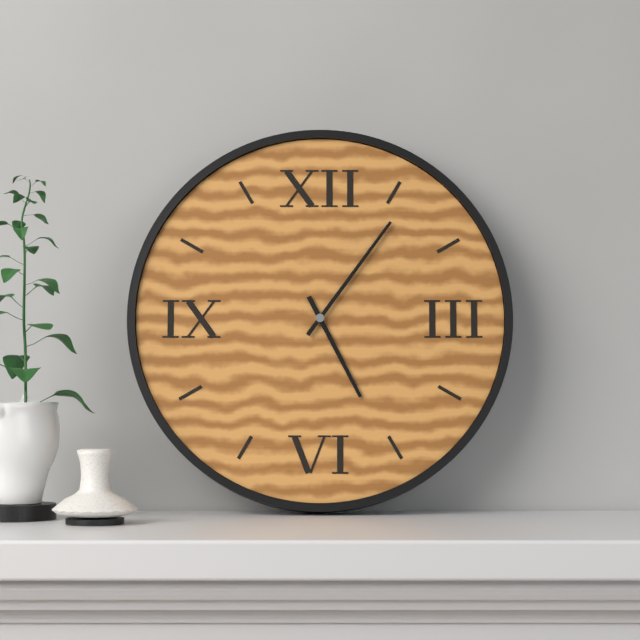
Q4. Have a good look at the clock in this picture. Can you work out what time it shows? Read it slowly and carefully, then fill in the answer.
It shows 5:06
